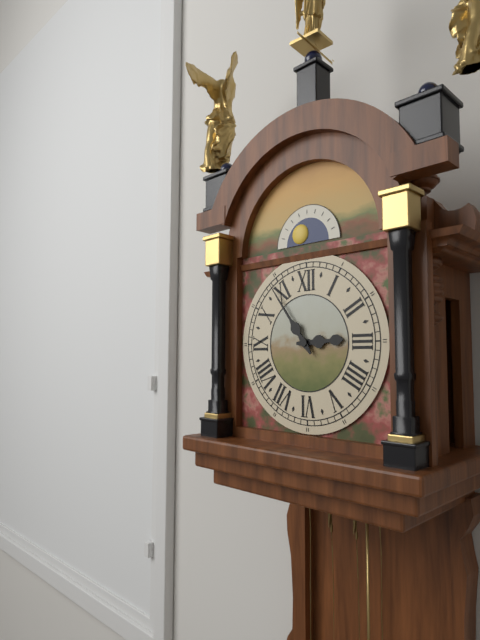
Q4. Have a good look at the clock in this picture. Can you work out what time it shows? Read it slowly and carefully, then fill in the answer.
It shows 2:54
